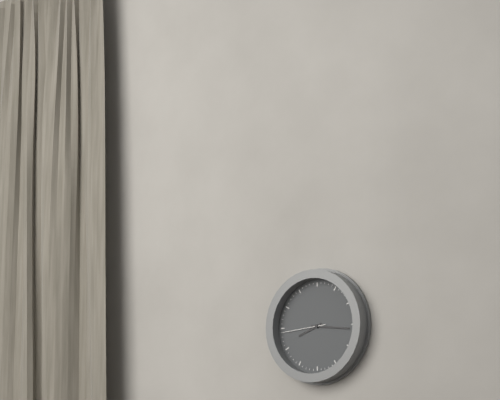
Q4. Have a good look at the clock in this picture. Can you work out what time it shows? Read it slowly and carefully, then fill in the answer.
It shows 8:16
